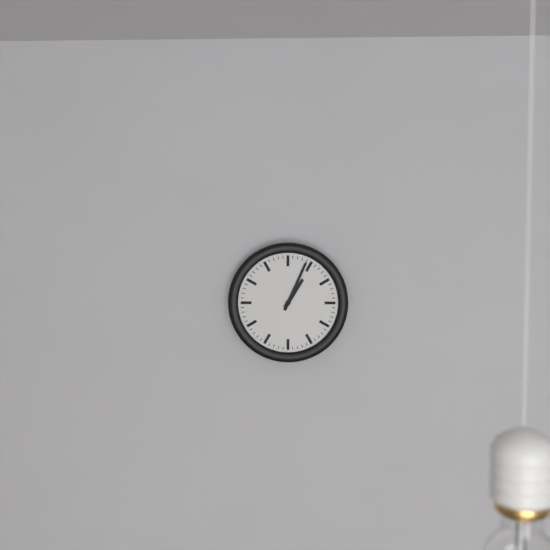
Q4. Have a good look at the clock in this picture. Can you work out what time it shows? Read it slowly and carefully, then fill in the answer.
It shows 1:04
